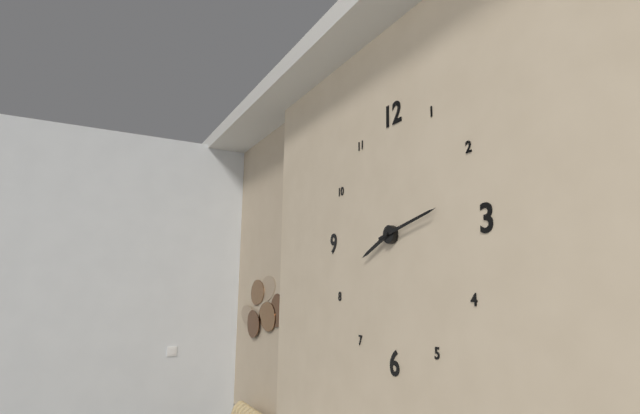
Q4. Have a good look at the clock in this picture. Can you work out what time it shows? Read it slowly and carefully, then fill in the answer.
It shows 8:13
